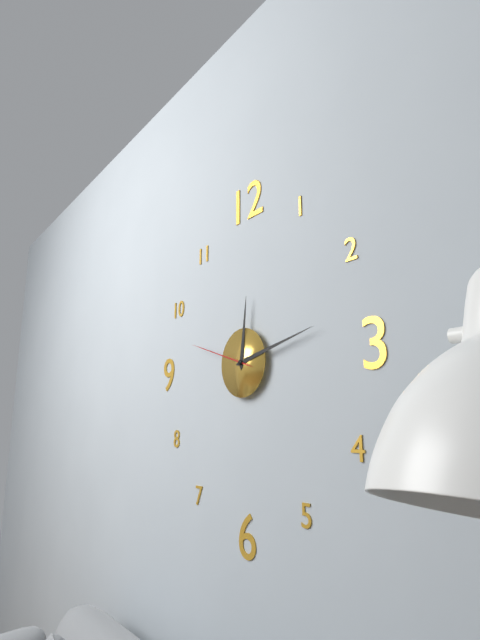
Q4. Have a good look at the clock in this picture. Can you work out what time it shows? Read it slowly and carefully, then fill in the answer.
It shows 12:13:48
